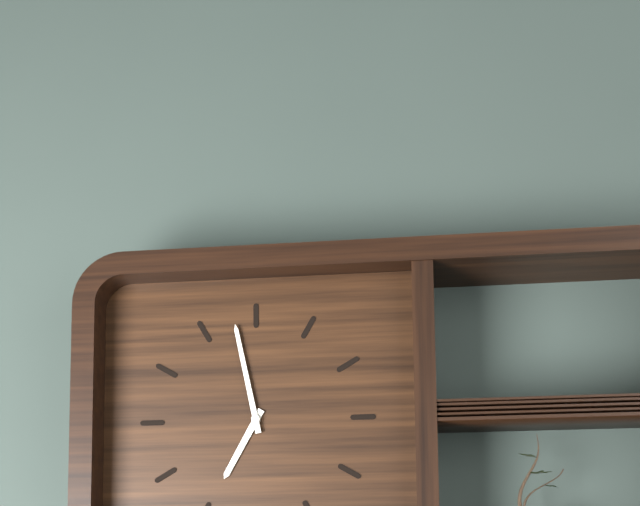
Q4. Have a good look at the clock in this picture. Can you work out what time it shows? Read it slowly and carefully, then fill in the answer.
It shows 6:58
